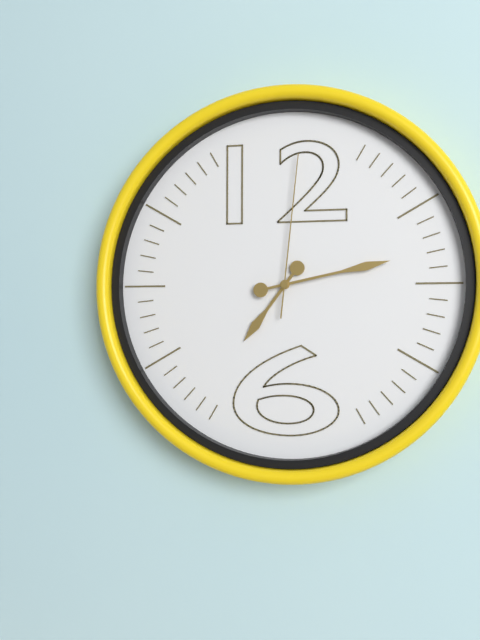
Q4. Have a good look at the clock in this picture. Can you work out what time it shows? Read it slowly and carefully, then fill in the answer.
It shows 7:13:01
